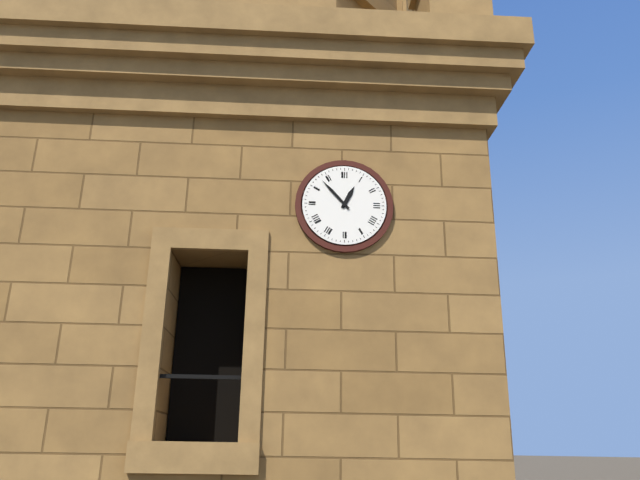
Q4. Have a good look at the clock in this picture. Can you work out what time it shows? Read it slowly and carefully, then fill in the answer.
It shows 12:53
